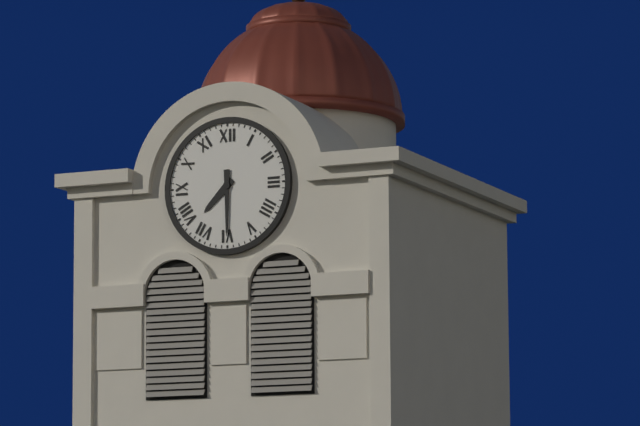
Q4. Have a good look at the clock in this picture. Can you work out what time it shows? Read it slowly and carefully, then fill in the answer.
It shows 7:30
